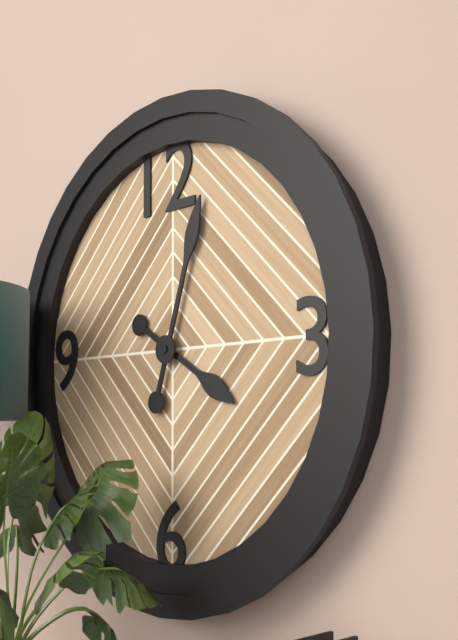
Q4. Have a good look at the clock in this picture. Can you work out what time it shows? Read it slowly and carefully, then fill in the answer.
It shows 4:03
